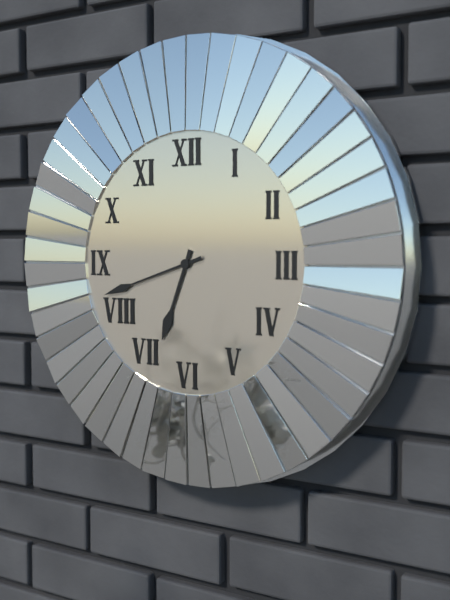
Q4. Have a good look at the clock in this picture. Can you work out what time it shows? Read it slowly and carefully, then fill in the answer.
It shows 6:42
